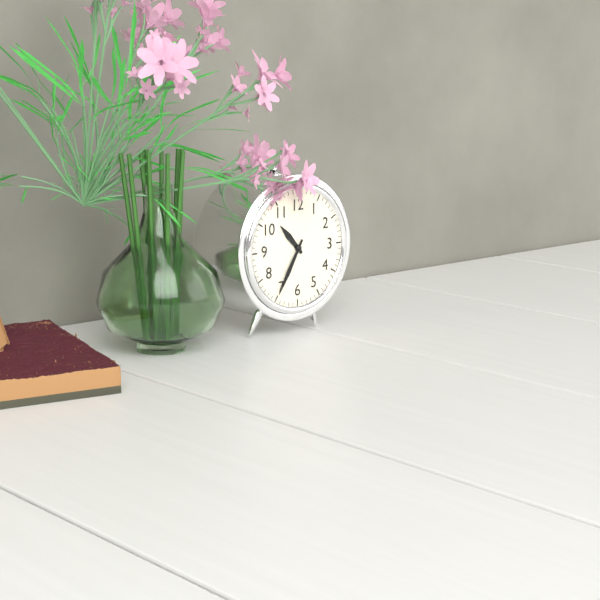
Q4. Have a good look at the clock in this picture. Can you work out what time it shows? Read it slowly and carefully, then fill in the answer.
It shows 10:35
